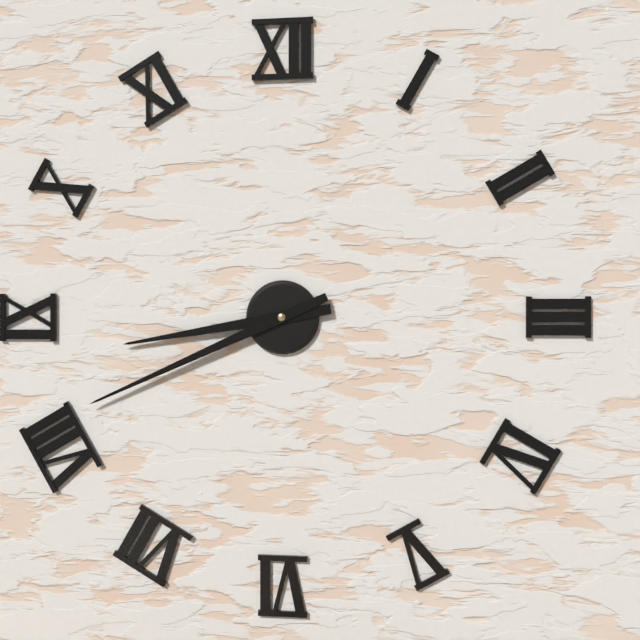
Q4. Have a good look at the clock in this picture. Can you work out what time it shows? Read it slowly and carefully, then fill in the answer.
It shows 8:41
